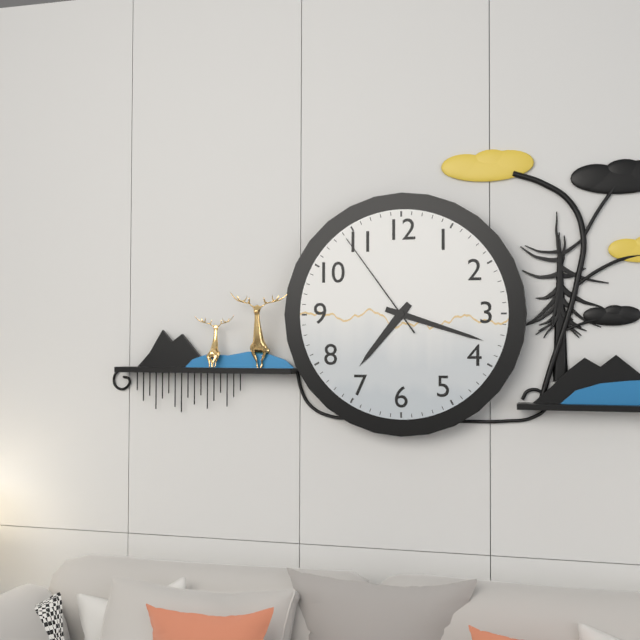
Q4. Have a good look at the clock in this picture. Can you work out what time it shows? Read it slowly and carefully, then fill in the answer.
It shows 7:18:54
